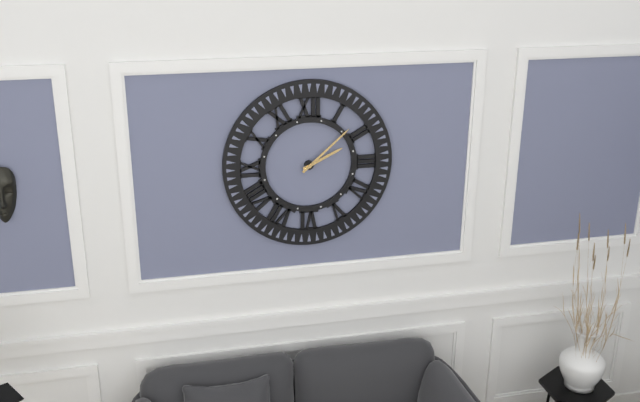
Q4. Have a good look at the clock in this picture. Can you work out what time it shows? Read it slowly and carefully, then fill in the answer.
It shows 2:08
